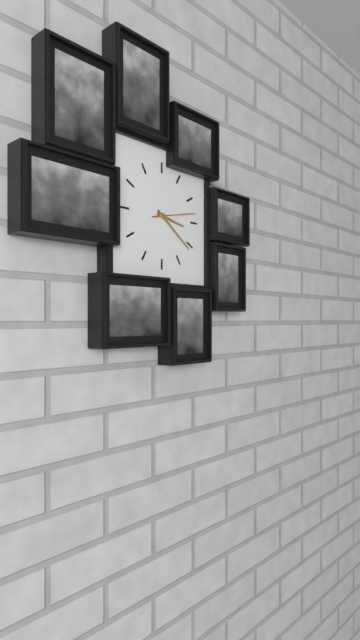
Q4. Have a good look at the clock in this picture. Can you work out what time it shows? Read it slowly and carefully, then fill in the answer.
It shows 3:21
